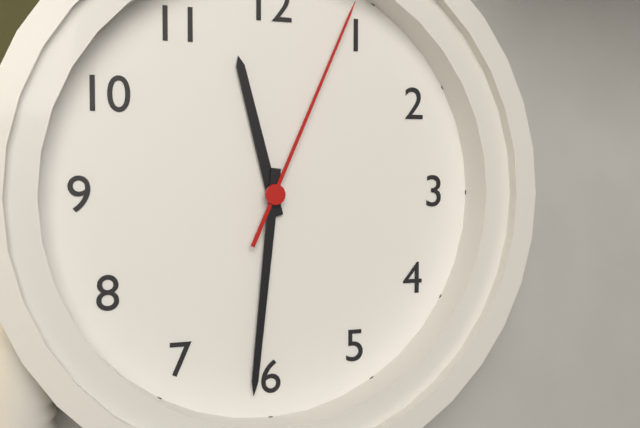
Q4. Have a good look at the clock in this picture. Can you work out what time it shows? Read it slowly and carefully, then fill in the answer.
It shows 11:31:04
